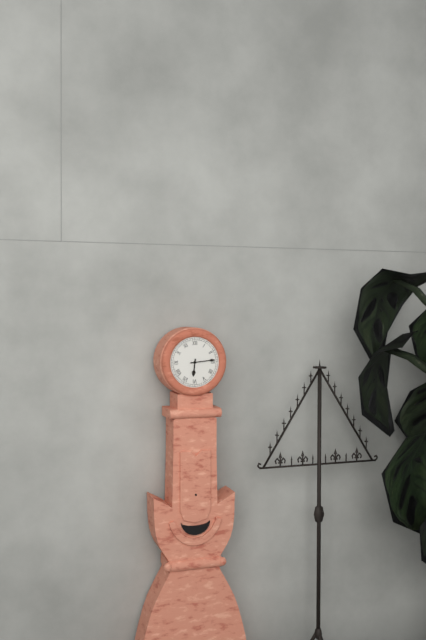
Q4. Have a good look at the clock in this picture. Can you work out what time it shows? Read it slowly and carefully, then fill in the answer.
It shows 6:14
